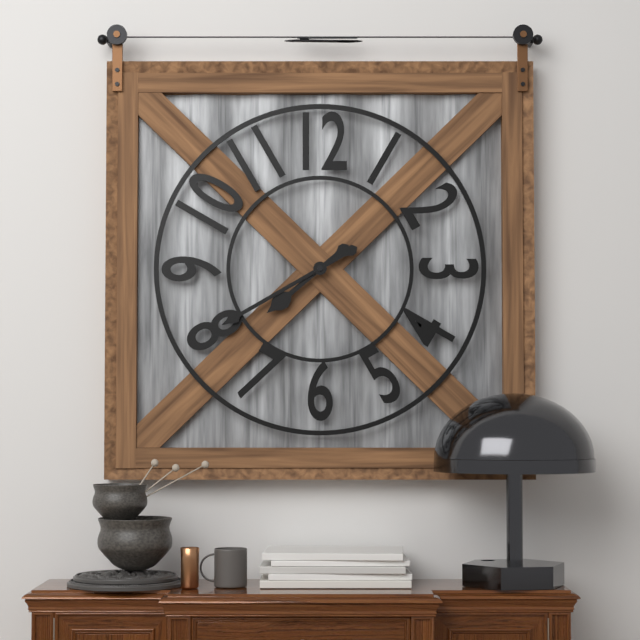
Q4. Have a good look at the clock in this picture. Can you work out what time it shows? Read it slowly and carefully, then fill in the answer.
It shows 7:40
